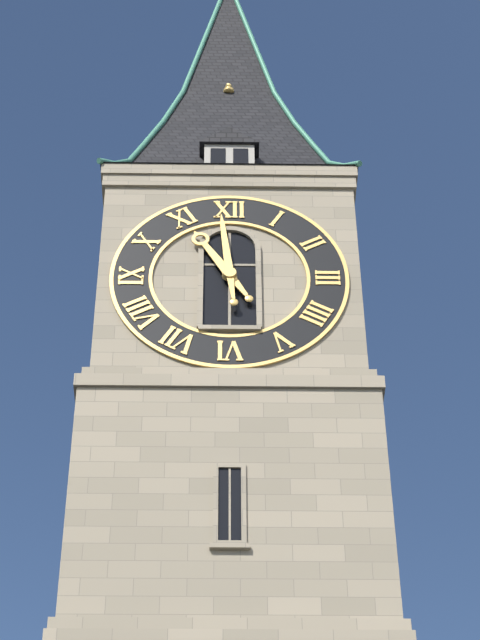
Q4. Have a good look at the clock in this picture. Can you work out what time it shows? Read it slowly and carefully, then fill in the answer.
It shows 10:59
